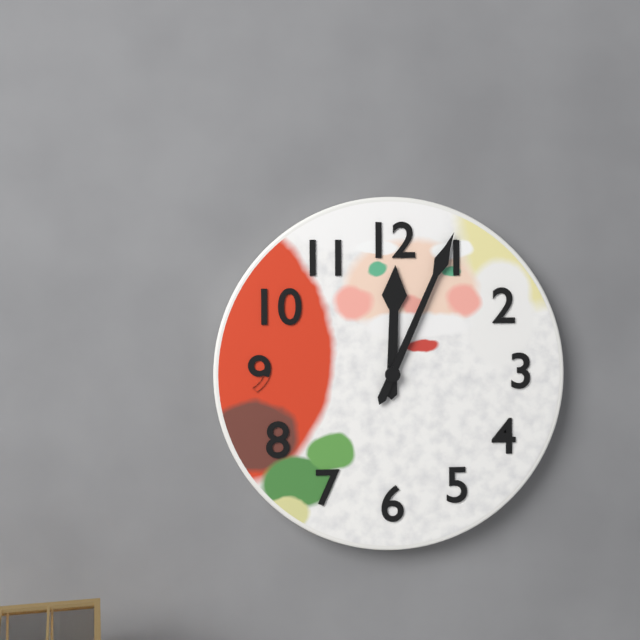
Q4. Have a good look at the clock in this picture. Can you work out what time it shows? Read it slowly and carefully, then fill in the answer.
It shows 12:04
